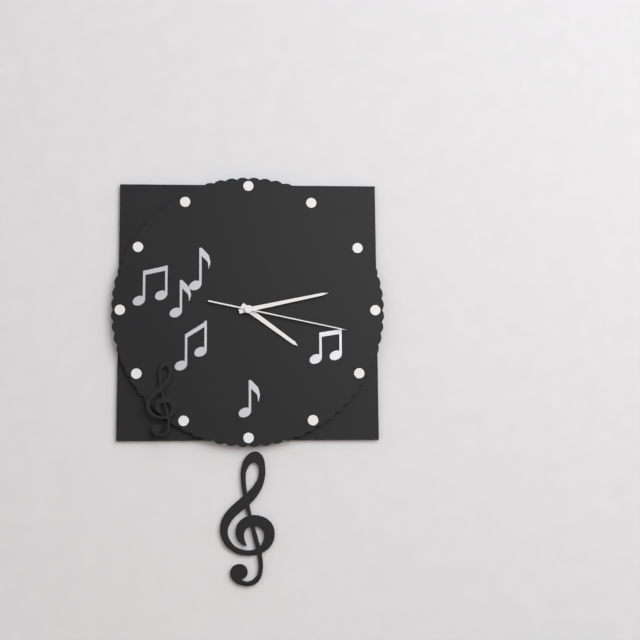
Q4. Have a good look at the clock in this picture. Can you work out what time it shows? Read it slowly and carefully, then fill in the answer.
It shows 4:13:17
